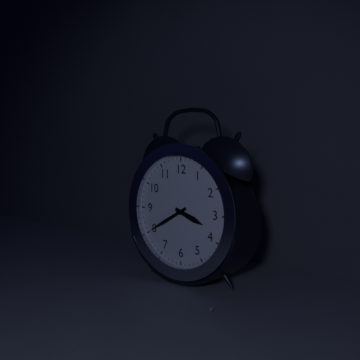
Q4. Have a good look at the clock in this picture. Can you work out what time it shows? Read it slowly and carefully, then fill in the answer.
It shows 3:40
